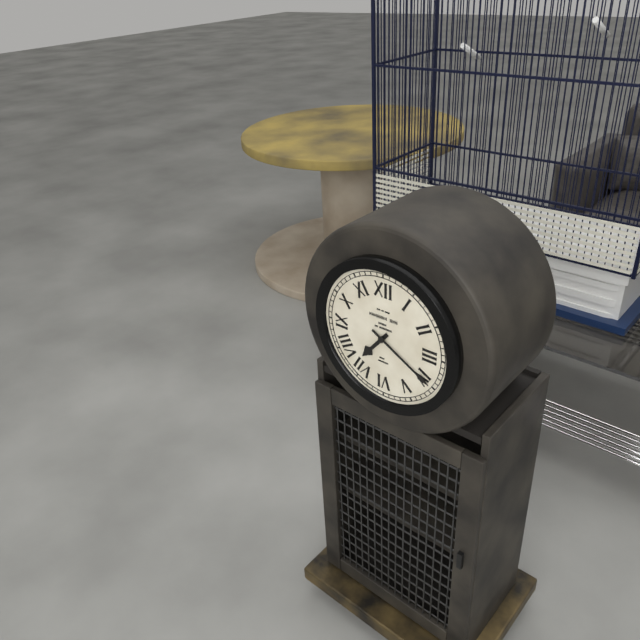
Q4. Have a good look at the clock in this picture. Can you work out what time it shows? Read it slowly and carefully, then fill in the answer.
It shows 7:20
